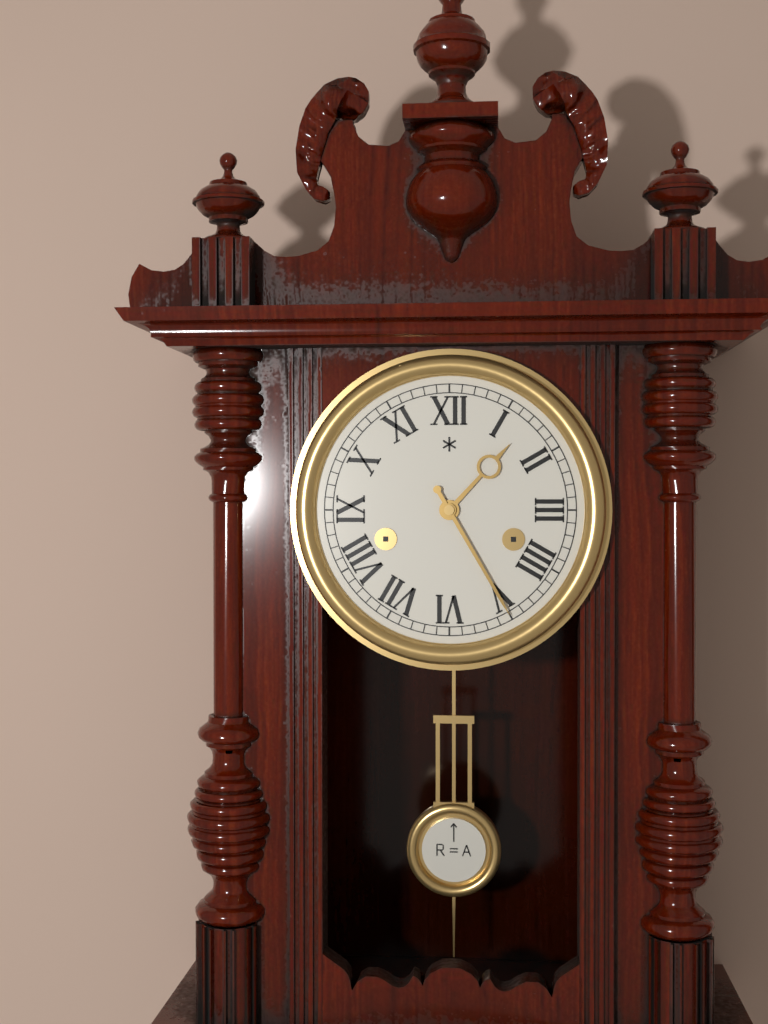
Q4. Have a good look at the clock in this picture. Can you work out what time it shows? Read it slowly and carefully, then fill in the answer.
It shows 1:25
